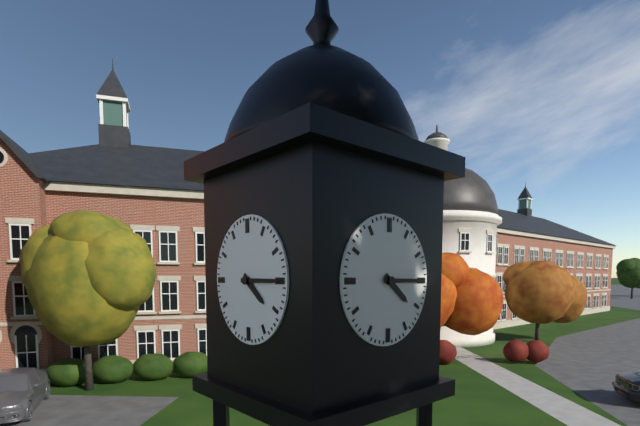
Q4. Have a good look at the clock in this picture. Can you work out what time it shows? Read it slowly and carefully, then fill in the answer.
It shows 4:15
